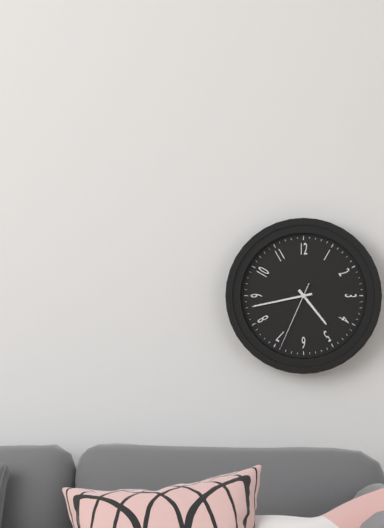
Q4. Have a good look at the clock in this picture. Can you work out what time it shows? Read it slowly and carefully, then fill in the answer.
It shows 4:43:34
